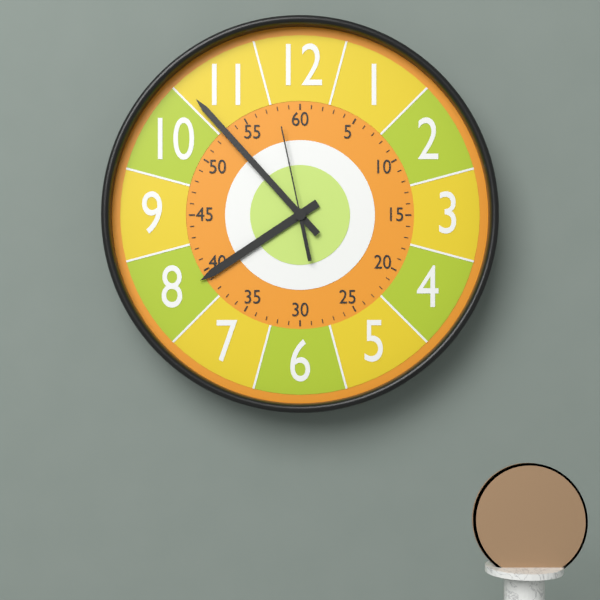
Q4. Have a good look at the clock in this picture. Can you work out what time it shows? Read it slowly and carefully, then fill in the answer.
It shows 7:53:58
